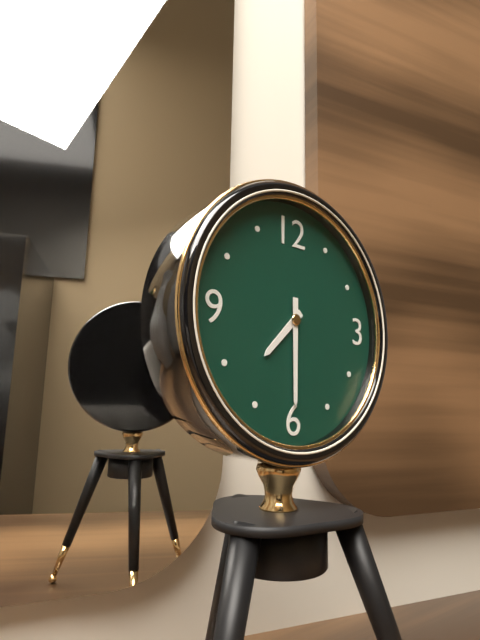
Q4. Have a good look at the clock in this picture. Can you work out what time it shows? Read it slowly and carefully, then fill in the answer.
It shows 7:30
